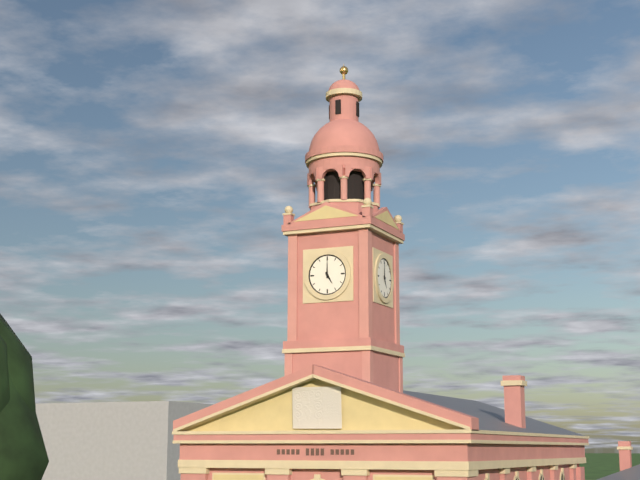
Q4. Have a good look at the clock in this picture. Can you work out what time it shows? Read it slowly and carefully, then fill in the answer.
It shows 5:00
